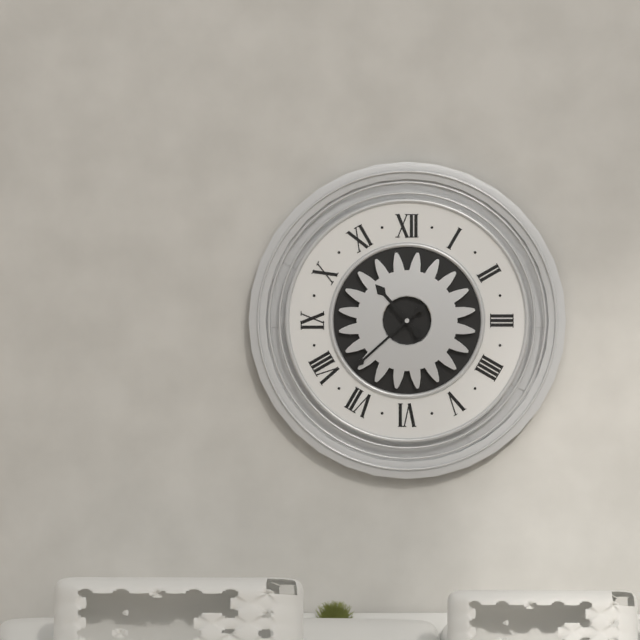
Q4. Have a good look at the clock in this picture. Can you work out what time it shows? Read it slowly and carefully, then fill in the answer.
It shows 10:38
